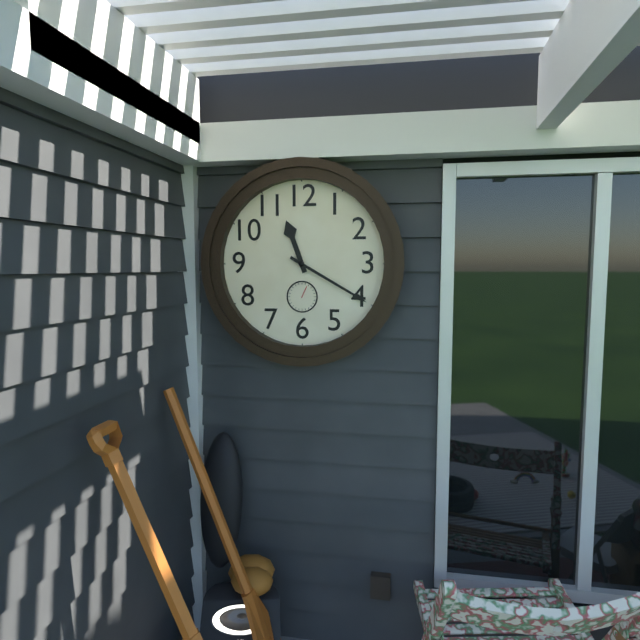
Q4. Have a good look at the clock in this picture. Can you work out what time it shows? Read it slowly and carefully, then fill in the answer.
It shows 11:20
